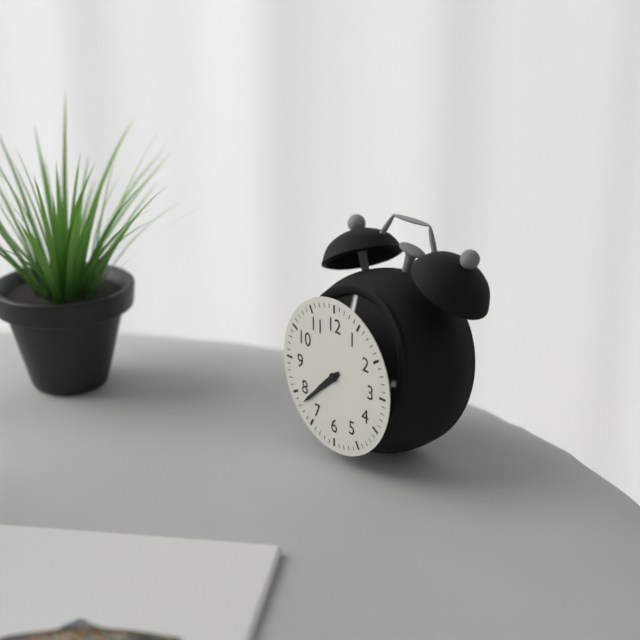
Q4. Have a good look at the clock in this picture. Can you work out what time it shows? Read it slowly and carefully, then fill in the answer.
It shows 7:38
